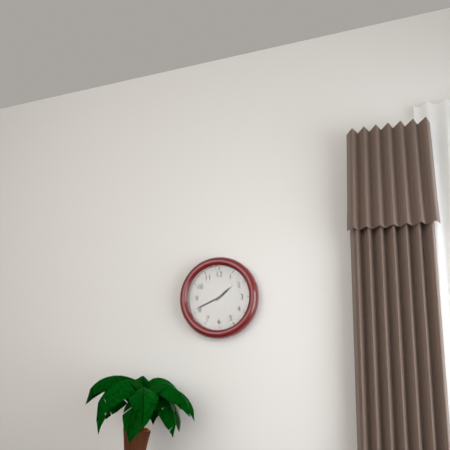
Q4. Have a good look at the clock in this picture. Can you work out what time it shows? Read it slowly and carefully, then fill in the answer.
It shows 1:41
